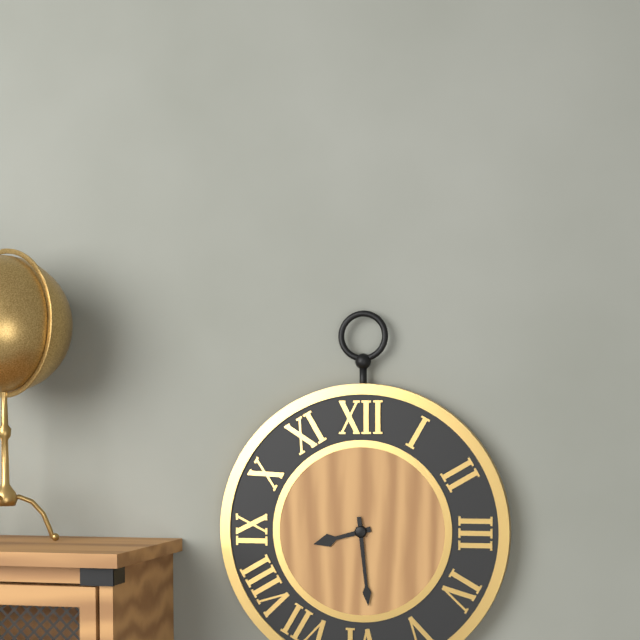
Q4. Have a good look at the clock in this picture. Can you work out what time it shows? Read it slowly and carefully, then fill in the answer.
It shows 8:29
